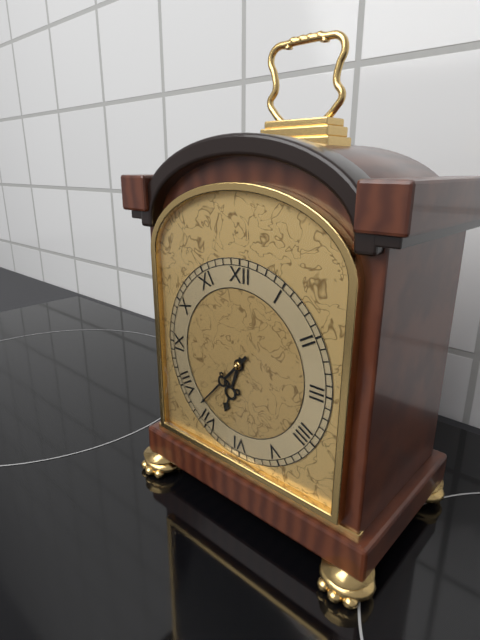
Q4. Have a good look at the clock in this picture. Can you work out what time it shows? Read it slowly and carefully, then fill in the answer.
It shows 6:37
